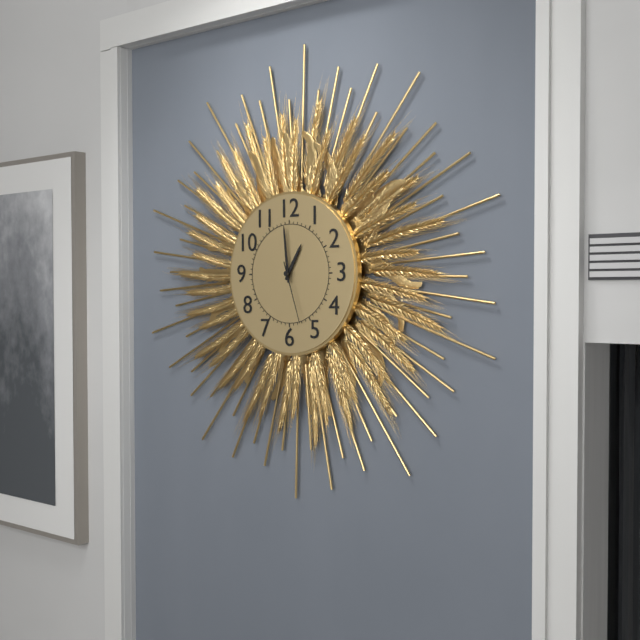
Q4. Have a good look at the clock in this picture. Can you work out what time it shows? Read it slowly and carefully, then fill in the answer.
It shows 12:59:27
